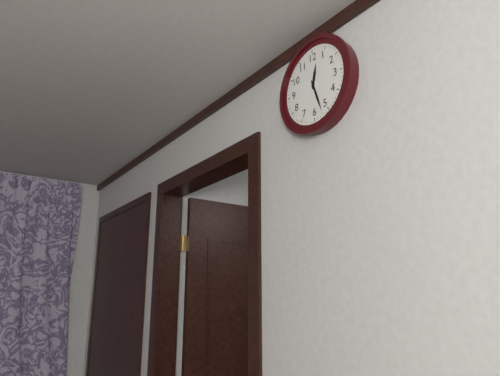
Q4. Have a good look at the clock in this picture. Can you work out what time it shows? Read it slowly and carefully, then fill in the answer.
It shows 12:27
